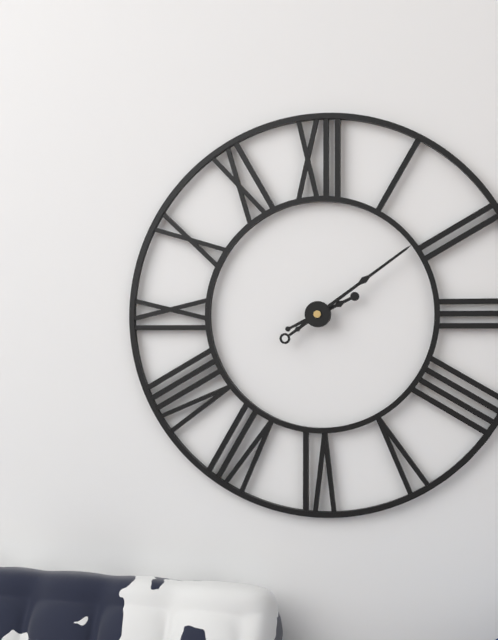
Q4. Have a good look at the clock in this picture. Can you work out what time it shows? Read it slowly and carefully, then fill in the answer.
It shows 2:09
